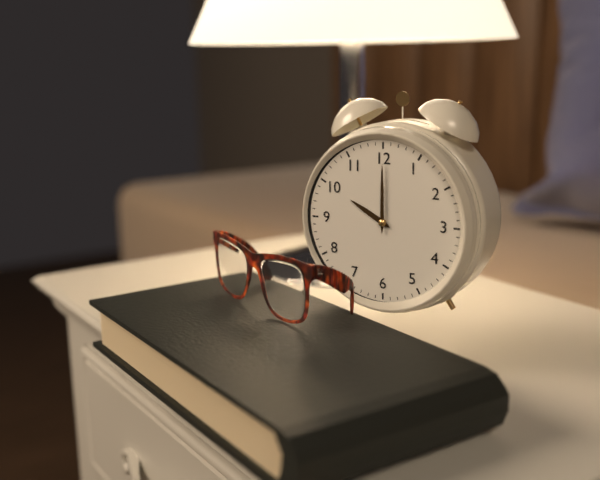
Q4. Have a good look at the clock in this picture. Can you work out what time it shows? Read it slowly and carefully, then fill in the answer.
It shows 10:00
